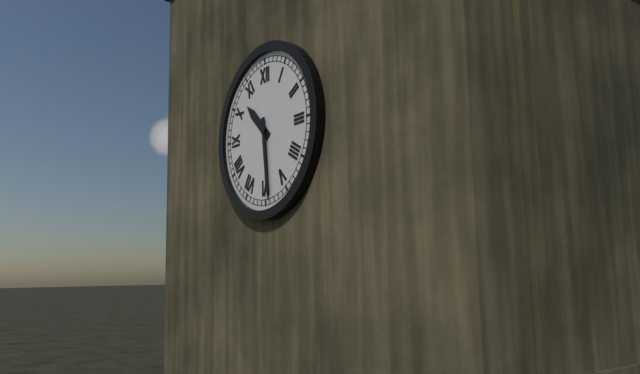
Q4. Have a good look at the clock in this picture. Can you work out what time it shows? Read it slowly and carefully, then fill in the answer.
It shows 10:29
